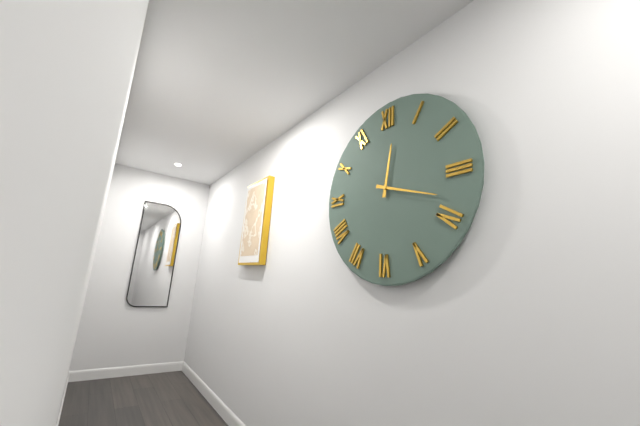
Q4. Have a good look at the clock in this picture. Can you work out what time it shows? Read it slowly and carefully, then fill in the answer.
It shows 12:18
